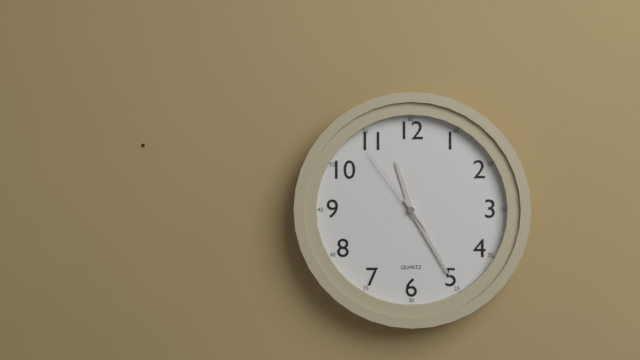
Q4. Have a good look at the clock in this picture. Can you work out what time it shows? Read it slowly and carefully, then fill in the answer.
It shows 11:25:54
